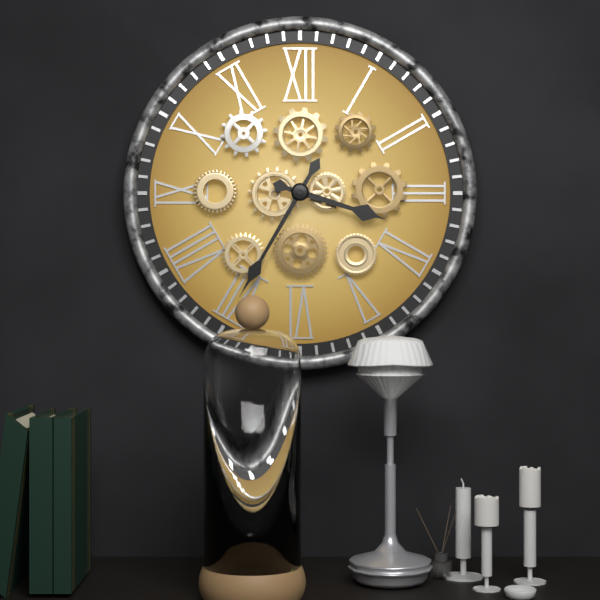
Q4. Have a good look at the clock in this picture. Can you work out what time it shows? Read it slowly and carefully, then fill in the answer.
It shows 3:35
